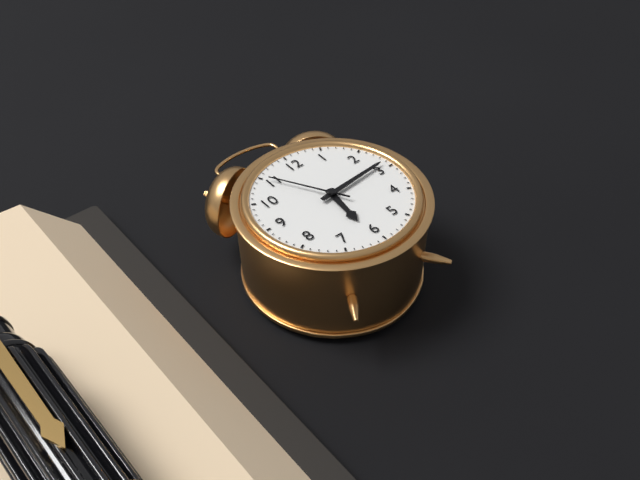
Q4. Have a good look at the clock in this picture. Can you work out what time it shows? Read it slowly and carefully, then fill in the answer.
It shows 6:14:55
